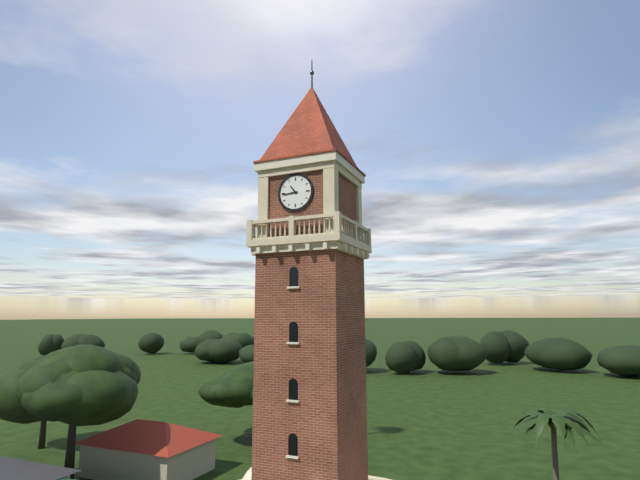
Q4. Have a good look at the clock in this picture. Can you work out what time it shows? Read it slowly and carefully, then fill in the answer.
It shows 10:44
